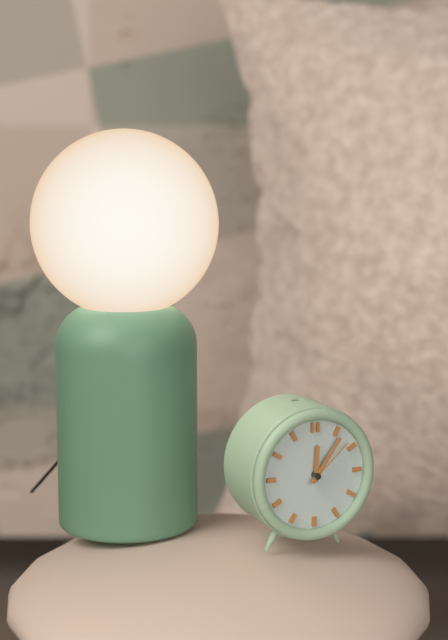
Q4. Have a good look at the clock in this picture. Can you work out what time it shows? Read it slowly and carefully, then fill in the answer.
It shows 12:06:08
